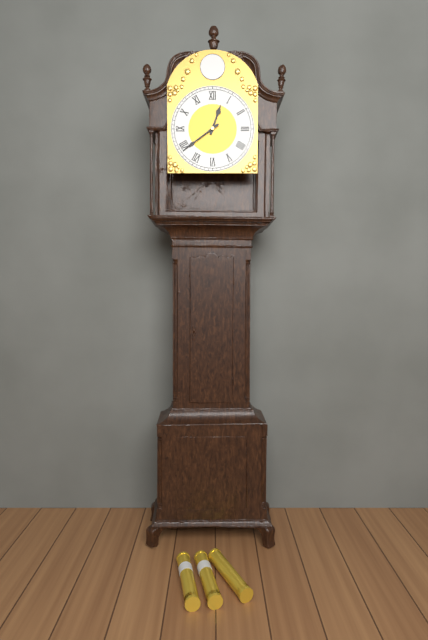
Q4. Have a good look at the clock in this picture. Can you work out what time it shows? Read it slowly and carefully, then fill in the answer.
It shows 12:39
